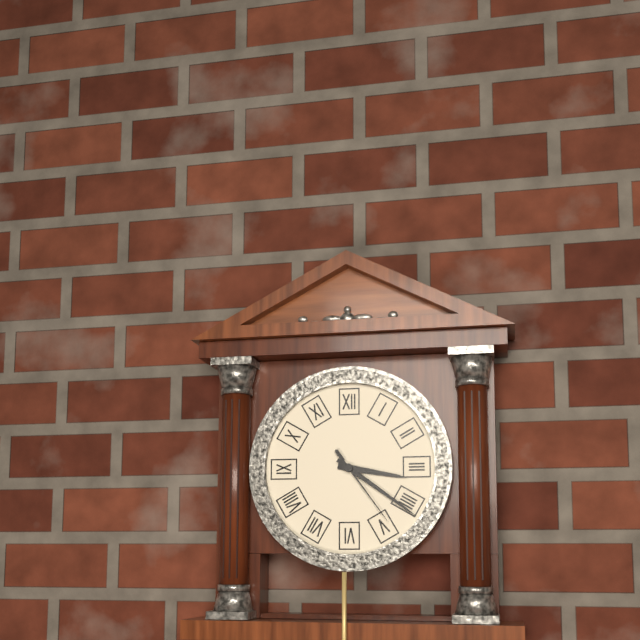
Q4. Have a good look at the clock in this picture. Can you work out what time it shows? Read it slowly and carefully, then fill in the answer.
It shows 3:21:24
